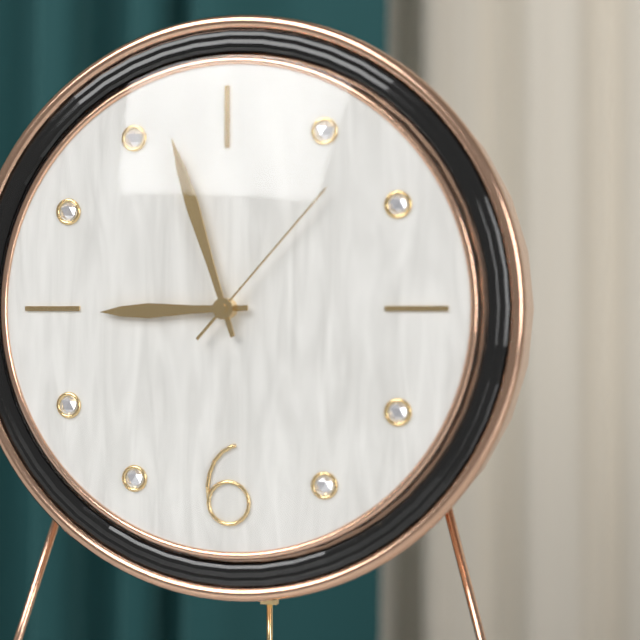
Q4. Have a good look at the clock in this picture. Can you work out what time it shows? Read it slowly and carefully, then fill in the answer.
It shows 8:57:07
